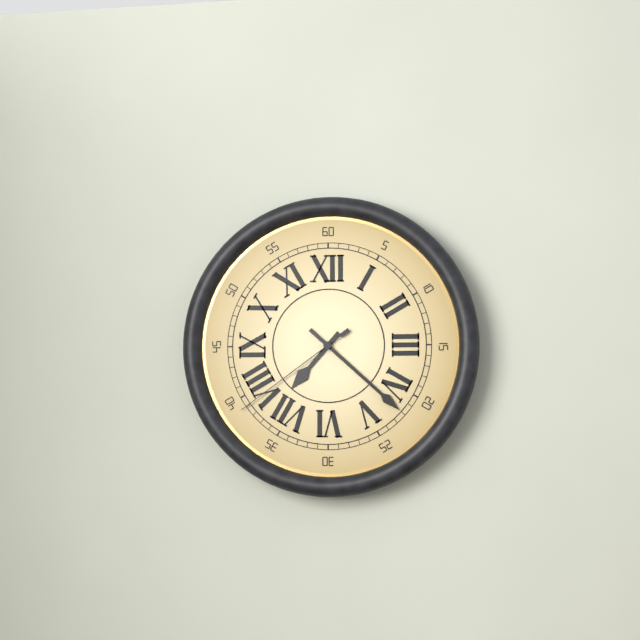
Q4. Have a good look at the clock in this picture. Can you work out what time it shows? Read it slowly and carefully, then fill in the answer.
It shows 7:22:39
